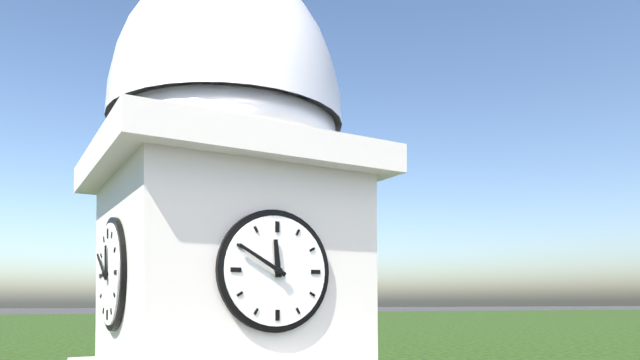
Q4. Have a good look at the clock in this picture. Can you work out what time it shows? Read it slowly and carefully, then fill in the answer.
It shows 11:50
